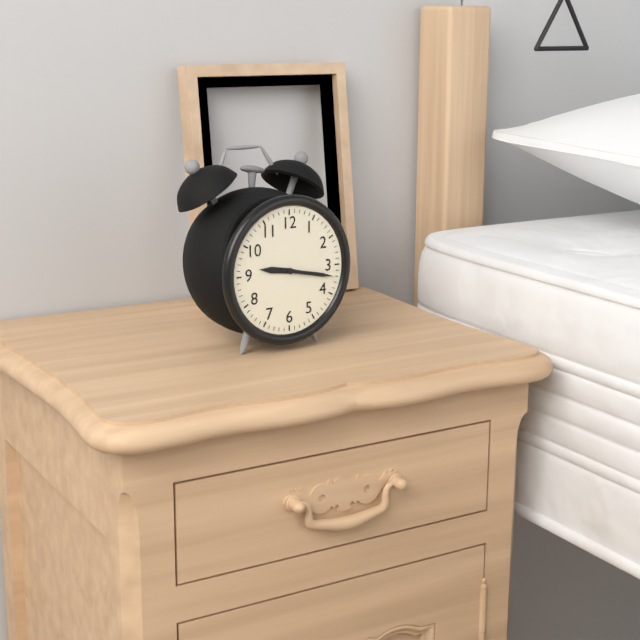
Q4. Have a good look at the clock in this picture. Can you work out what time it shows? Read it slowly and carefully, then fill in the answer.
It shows 9:17
